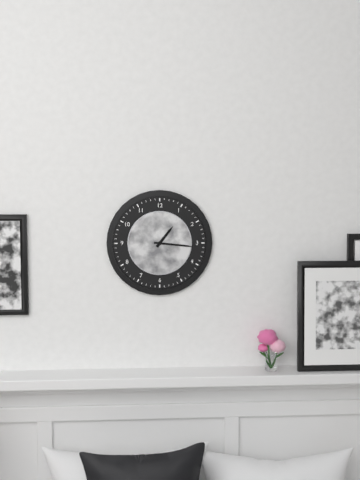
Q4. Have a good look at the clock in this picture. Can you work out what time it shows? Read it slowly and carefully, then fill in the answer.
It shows 1:16
